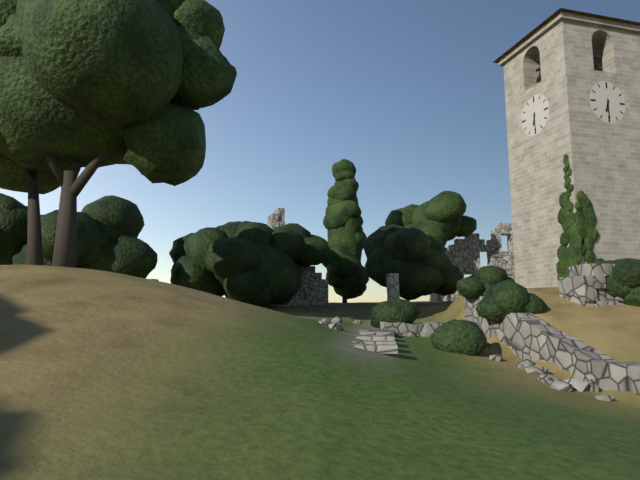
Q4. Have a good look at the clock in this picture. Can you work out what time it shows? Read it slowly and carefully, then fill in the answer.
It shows 6:30
